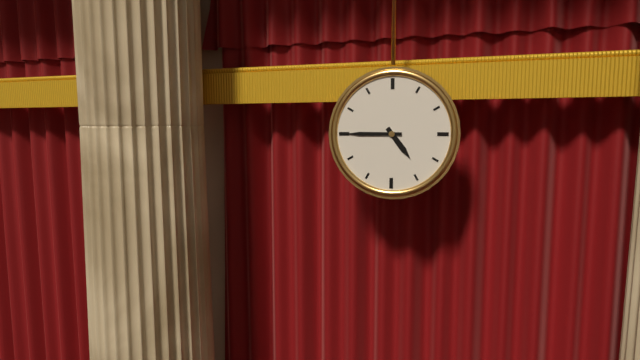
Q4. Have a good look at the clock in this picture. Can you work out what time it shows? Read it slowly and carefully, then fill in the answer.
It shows 4:45
